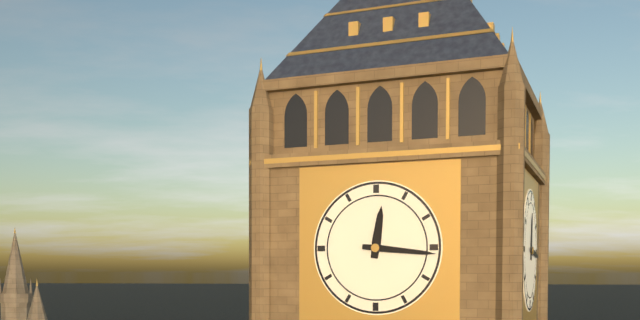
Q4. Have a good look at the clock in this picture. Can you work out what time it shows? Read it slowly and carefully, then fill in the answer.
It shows 12:16
